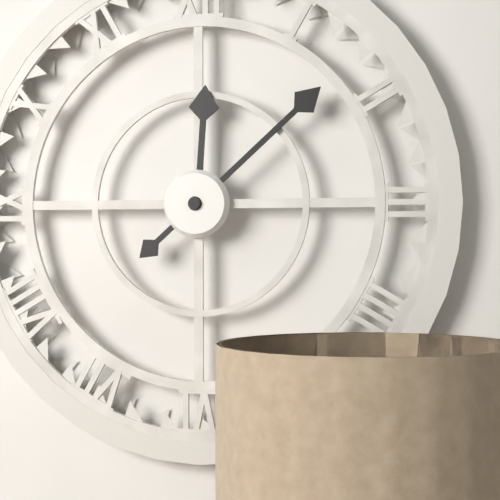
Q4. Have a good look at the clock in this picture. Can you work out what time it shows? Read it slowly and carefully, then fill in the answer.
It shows 12:08
